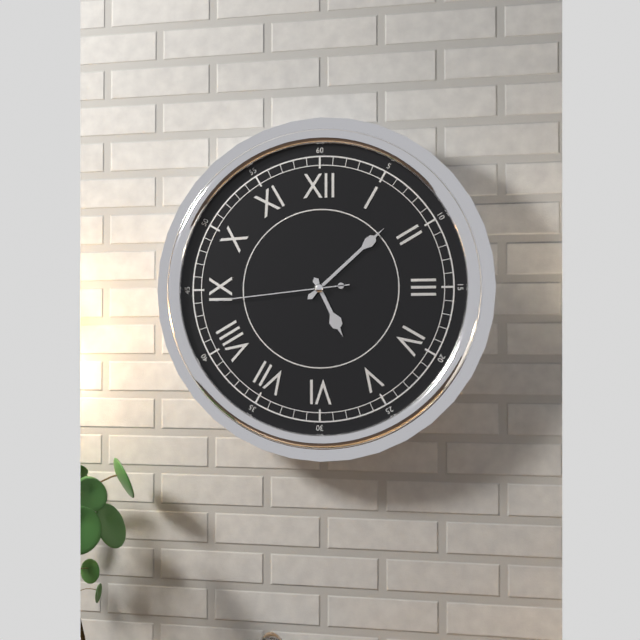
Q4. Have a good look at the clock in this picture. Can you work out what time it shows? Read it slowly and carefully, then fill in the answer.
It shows 5:08:44
